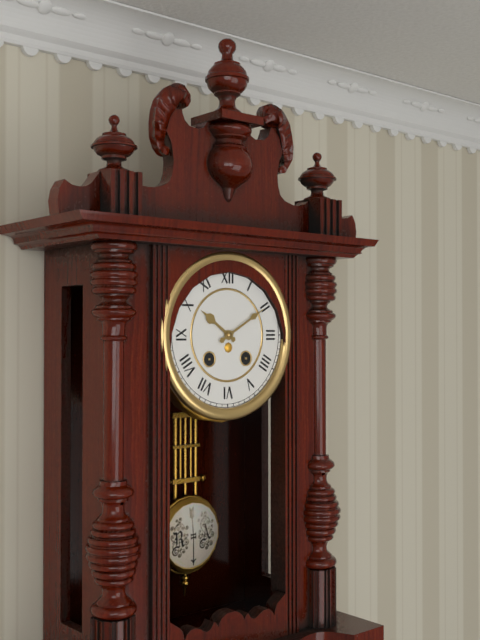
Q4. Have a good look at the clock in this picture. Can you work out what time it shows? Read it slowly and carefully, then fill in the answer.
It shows 10:10
